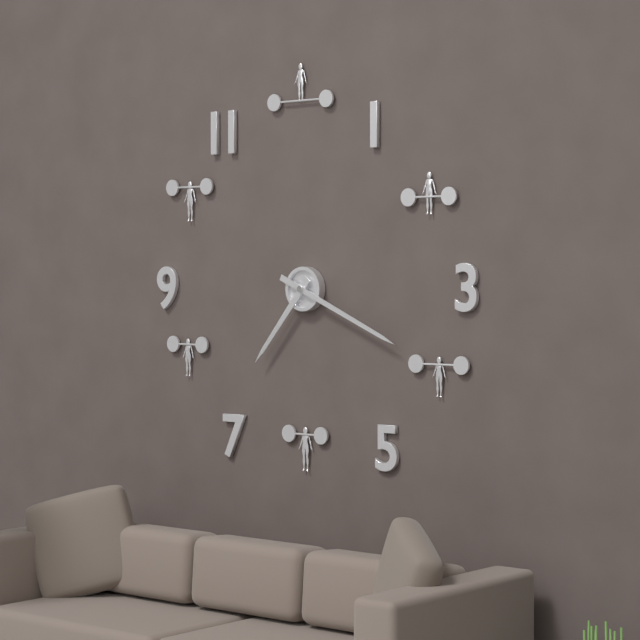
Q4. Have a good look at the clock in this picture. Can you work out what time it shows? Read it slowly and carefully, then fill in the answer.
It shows 7:19
